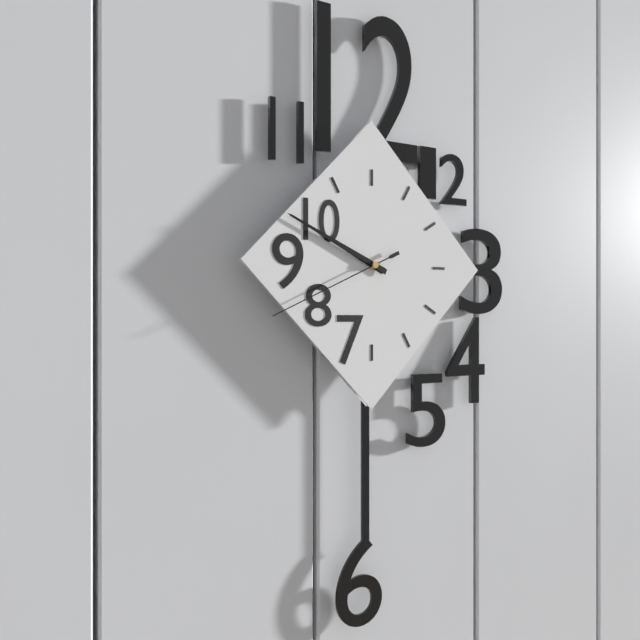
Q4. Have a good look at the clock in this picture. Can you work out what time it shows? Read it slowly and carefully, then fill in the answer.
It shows 9:49:41
